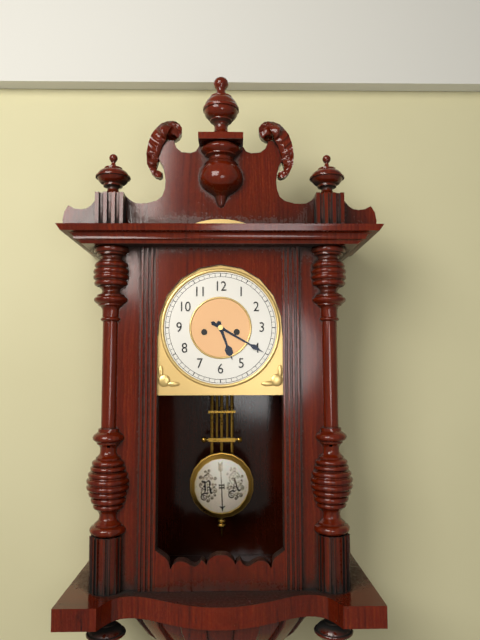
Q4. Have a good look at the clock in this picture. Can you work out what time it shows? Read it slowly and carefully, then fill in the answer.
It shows 5:20
